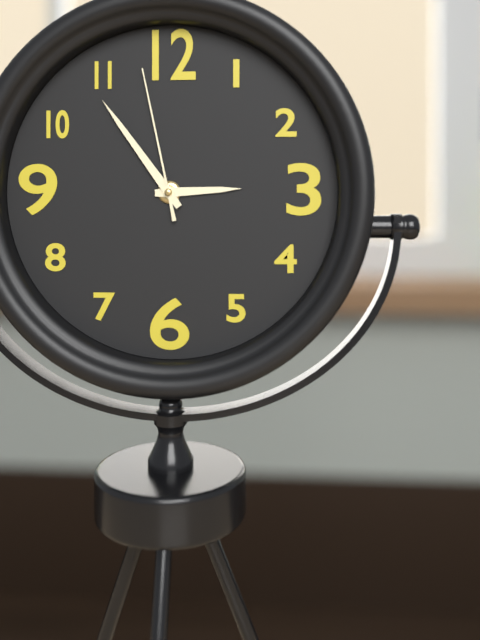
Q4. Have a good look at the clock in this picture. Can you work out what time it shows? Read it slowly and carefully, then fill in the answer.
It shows 2:54:58
